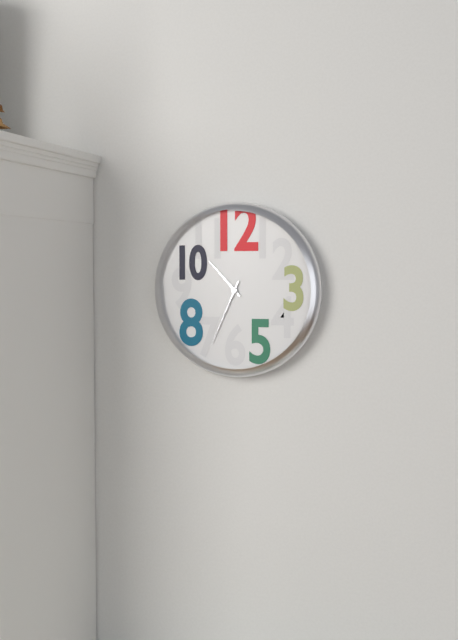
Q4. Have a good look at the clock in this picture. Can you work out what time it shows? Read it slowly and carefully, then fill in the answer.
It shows 10:34
